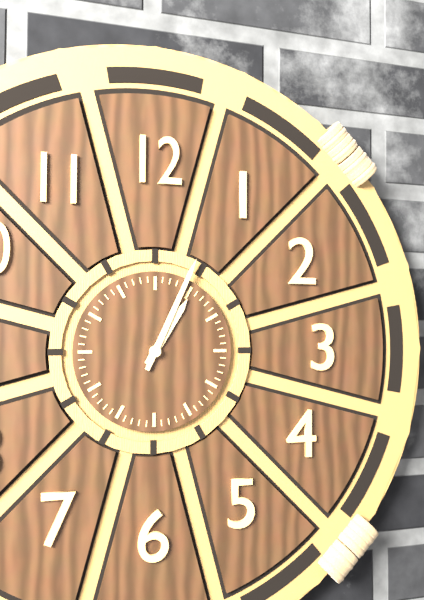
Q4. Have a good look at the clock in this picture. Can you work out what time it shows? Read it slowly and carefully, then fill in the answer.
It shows 1:04
